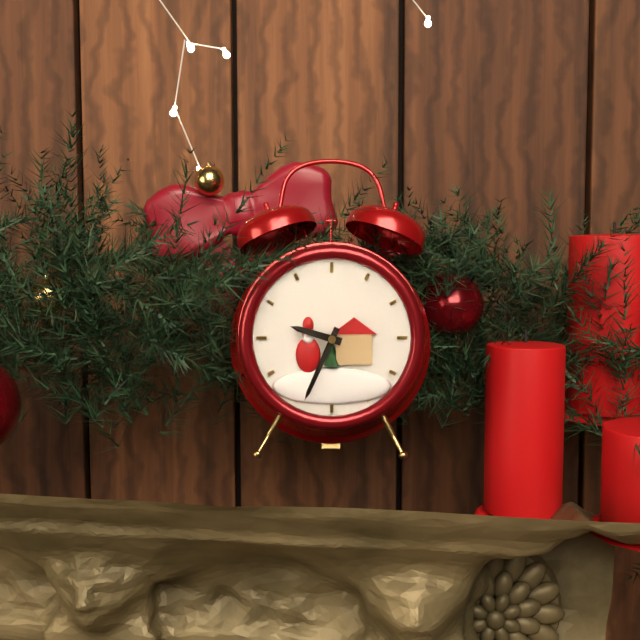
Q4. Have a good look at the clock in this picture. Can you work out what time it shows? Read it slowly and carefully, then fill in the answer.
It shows 9:34
